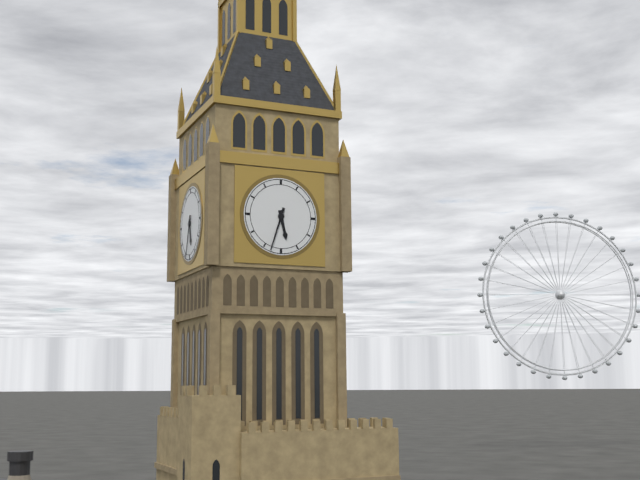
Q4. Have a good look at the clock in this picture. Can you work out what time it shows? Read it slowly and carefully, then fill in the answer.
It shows 5:33
